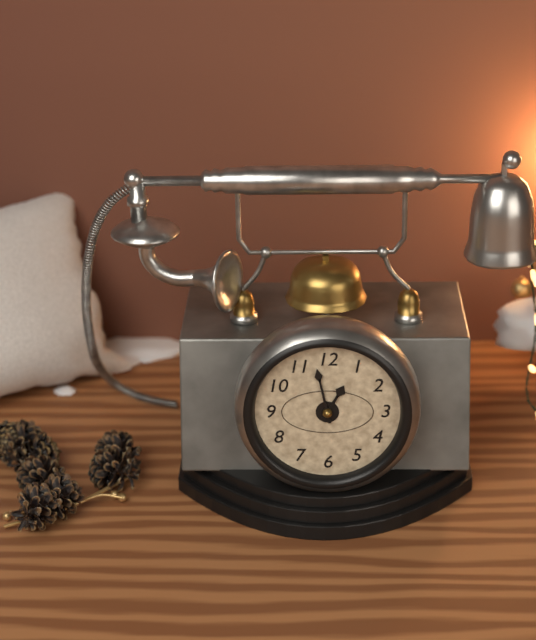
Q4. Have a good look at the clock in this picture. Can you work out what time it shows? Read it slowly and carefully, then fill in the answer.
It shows 12:58
